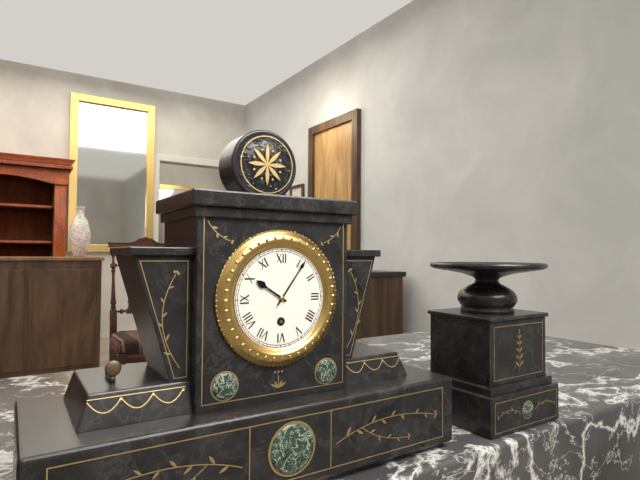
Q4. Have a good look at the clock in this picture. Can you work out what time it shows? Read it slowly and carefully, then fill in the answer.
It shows 10:06
